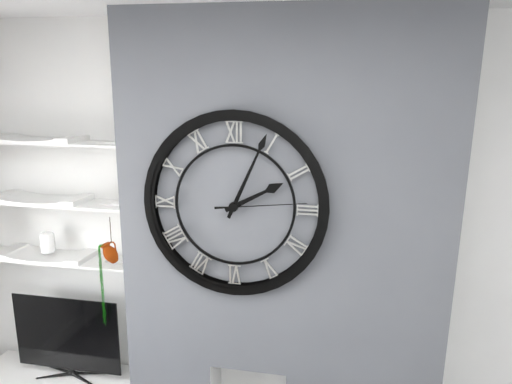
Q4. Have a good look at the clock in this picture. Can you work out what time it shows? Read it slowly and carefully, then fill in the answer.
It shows 2:04:14
